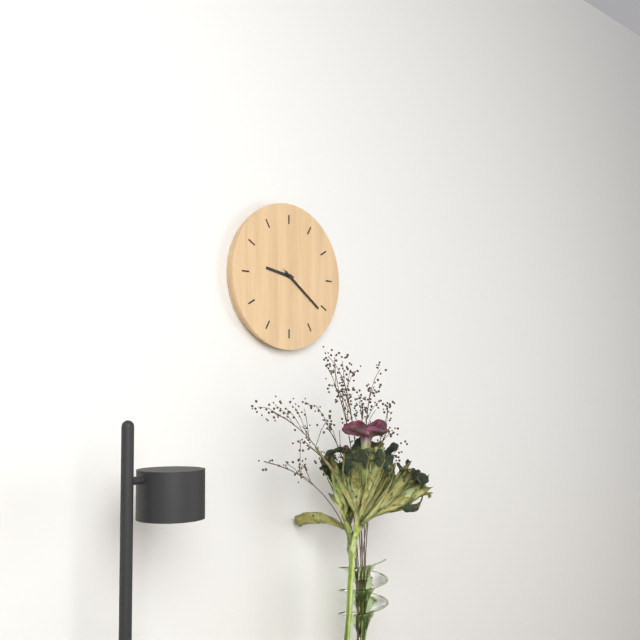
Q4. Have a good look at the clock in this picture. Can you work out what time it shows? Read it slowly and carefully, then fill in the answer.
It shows 9:21:21
